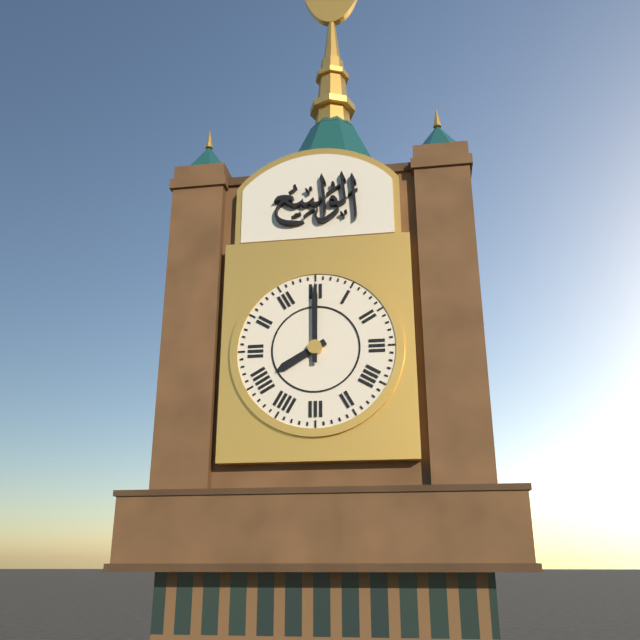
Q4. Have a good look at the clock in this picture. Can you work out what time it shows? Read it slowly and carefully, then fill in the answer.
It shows 8:00
